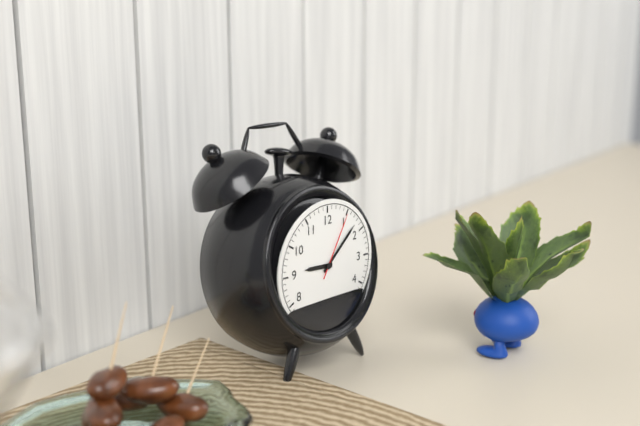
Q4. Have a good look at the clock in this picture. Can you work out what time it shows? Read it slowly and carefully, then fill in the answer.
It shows 9:08:05
